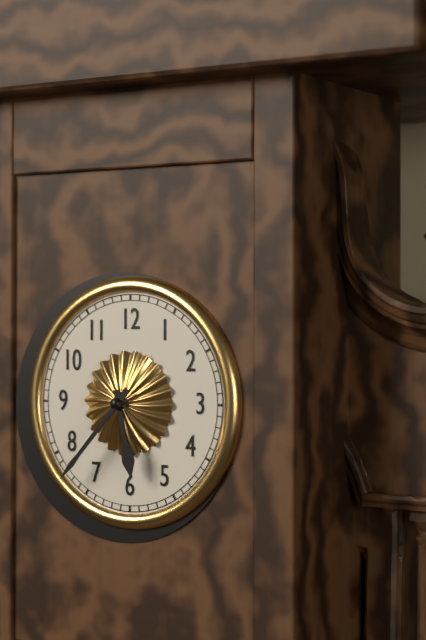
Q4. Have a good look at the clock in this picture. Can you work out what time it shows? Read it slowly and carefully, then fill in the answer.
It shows 5:37
